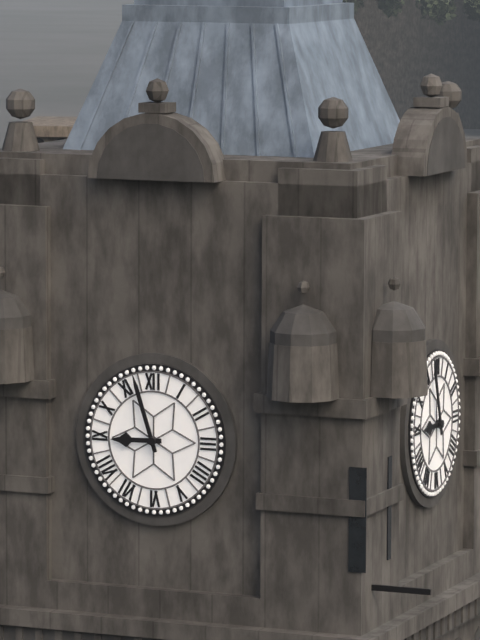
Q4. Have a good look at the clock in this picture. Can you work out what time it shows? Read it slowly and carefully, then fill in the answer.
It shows 8:57
